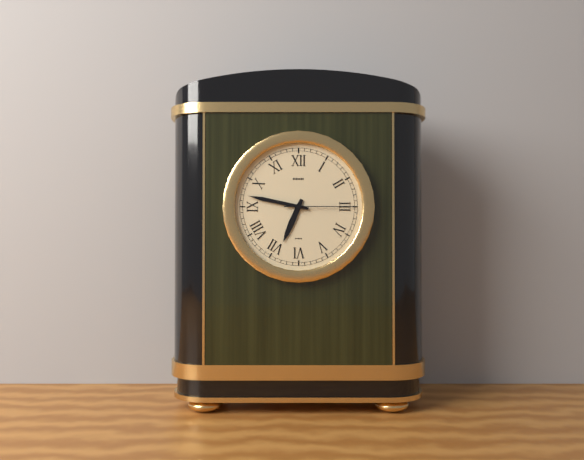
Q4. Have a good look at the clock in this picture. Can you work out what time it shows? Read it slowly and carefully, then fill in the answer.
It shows 6:47:15
